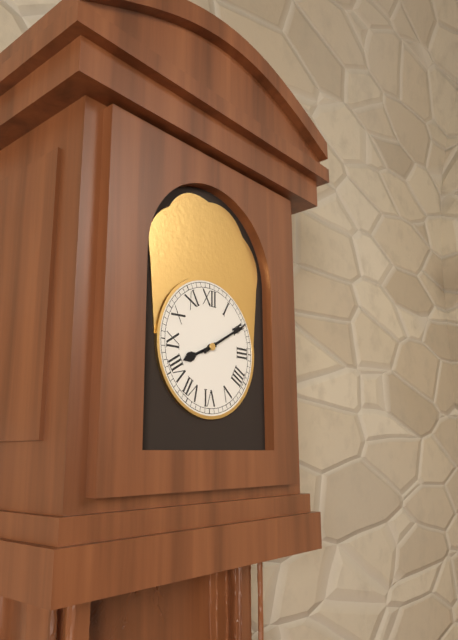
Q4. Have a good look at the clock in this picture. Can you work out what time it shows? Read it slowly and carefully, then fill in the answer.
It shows 8:10
